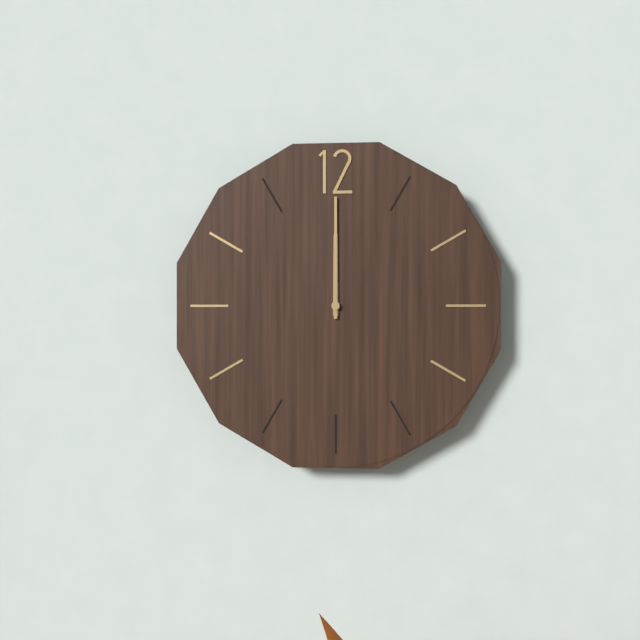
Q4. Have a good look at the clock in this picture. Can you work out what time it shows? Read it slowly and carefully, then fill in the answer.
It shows 12:00
